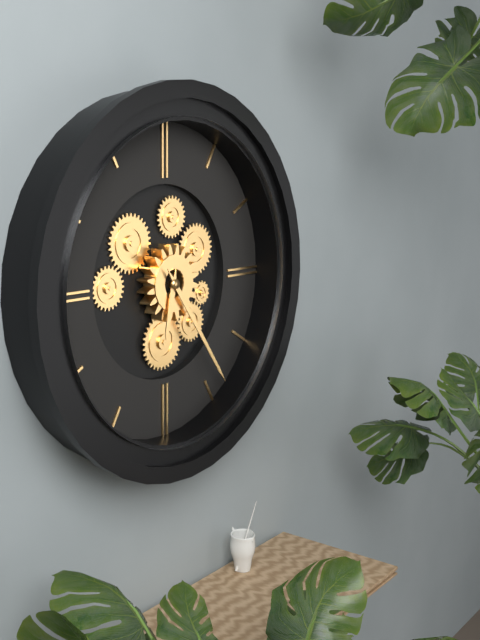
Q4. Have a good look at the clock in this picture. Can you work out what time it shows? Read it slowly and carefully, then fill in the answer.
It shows 6:24
